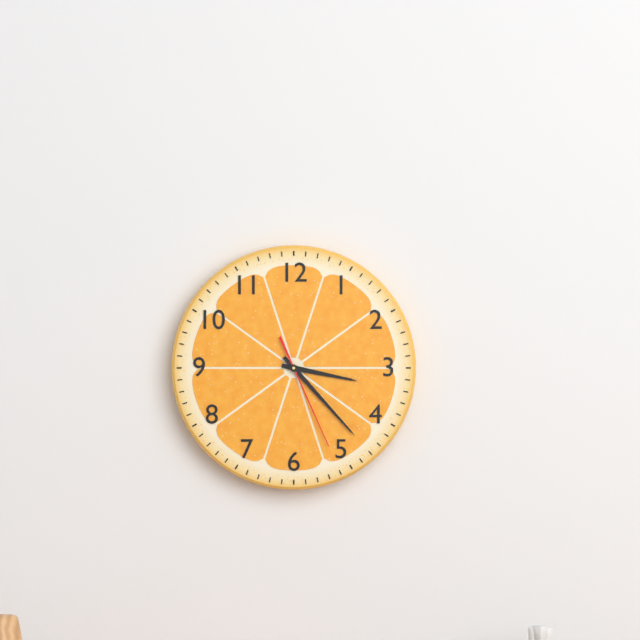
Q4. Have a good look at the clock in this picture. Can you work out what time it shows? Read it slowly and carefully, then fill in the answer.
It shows 3:23:26
